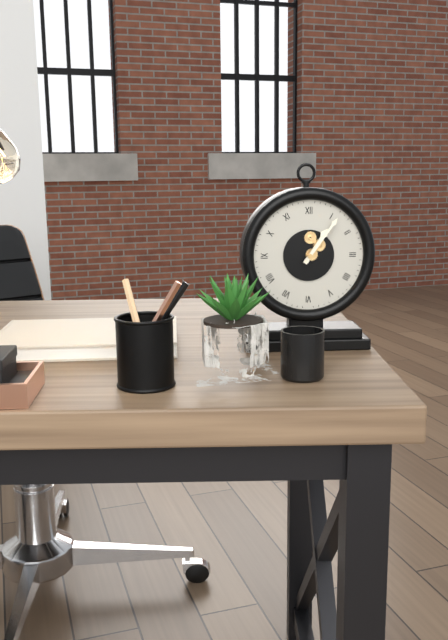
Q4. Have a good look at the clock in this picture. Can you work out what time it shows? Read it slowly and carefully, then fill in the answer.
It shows 1:06
